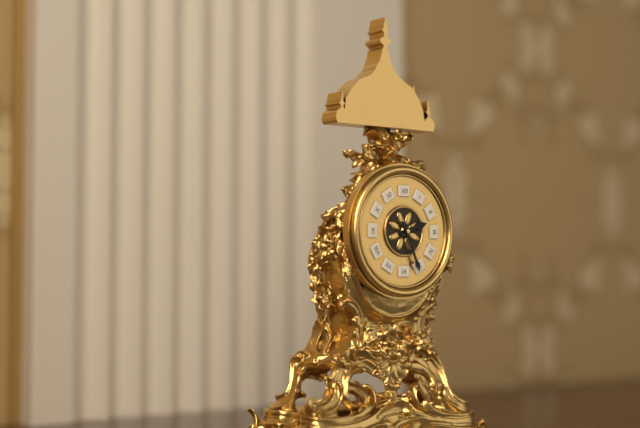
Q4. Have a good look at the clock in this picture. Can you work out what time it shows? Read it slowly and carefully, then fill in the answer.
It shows 2:26
